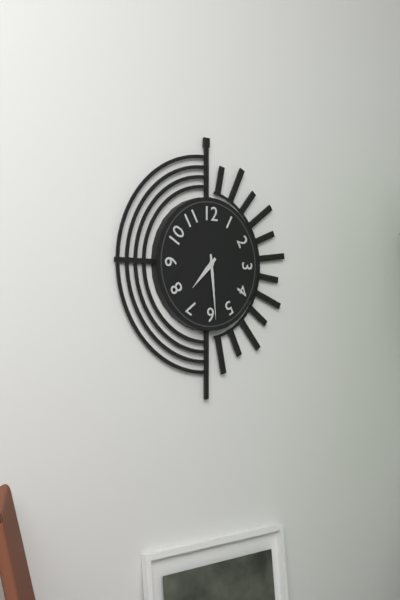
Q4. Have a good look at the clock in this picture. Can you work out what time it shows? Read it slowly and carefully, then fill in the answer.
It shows 7:29
